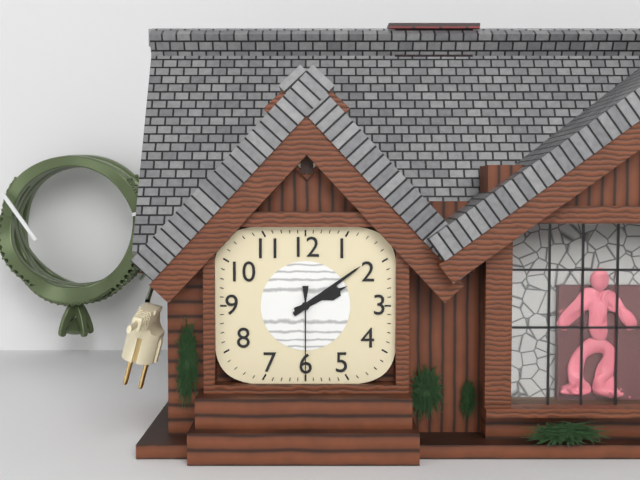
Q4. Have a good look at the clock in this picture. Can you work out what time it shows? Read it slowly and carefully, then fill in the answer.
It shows 2:09:30
